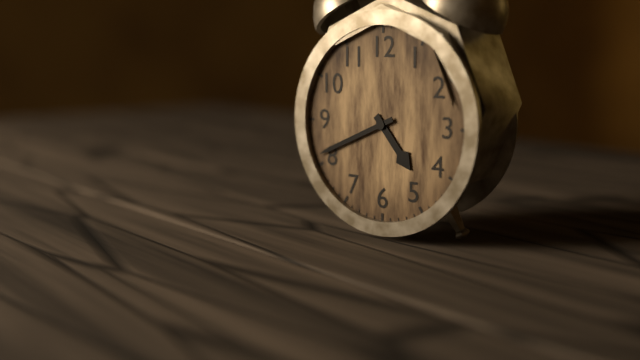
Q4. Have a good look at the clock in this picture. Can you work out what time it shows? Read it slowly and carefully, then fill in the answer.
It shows 4:41
